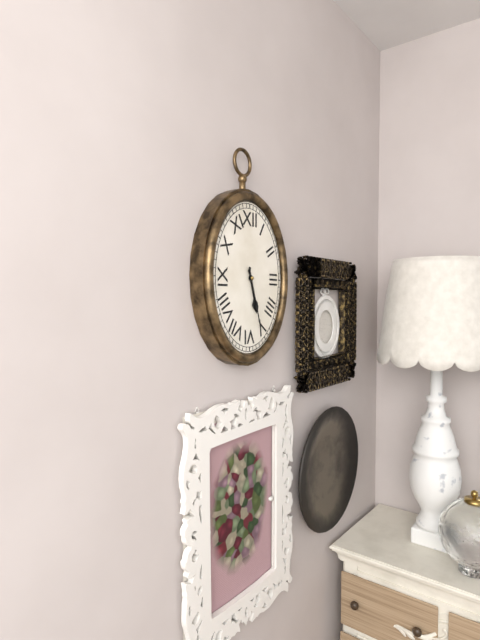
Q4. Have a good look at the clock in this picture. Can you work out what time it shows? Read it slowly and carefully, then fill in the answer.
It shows 5:27
